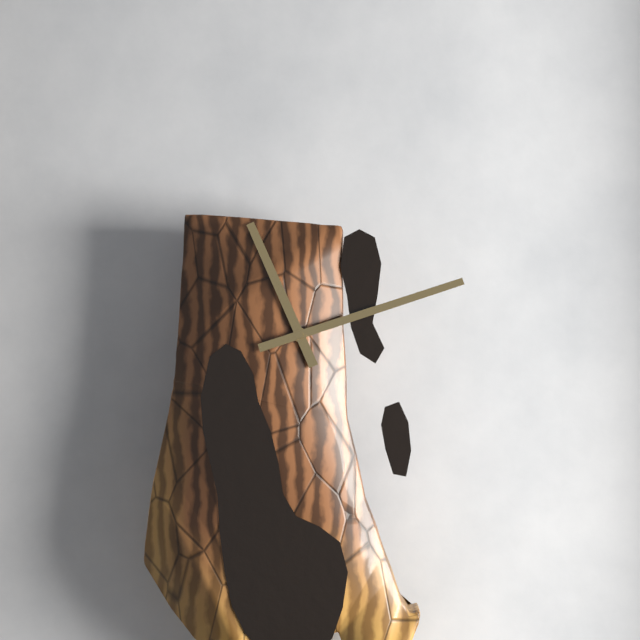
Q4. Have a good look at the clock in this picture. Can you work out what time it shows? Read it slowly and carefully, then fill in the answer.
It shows 11:12
